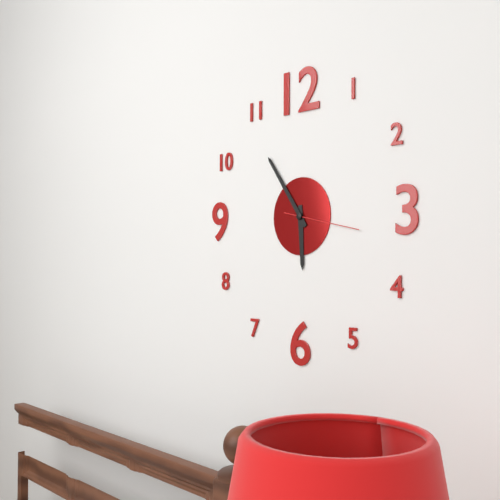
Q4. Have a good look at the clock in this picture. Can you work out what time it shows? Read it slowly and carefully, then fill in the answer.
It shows 5:54:17
